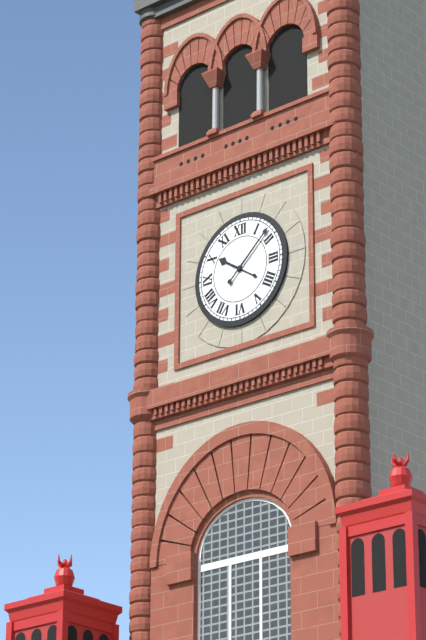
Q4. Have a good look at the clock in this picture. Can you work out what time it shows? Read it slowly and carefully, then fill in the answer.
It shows 10:08
